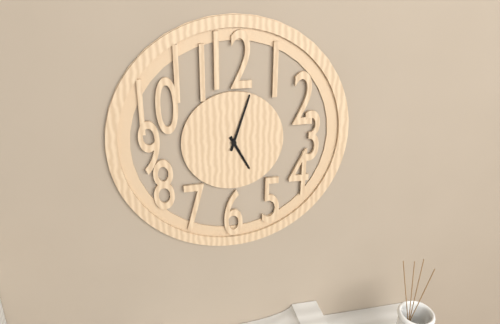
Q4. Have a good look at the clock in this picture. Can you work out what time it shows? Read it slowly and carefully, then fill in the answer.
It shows 5:03
